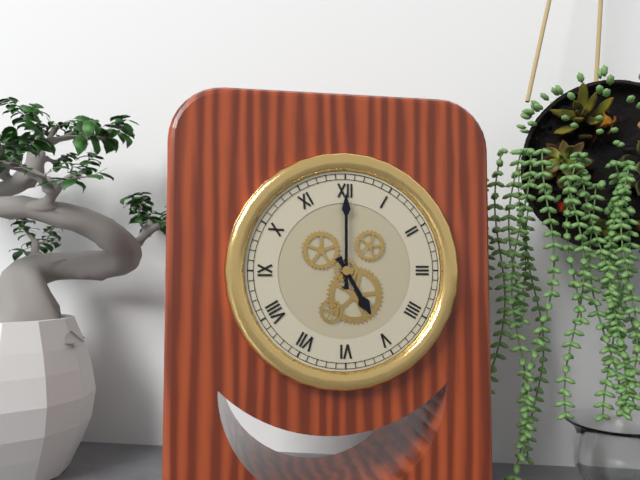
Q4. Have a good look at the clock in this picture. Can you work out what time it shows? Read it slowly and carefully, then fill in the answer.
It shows 5:00
